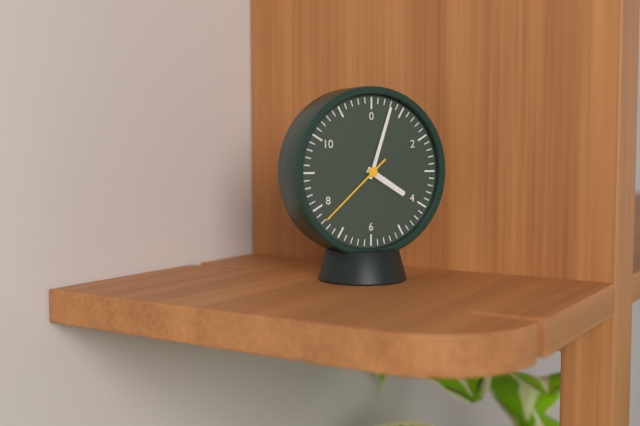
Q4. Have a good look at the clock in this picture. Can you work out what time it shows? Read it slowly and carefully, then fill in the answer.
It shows 4:03:38
